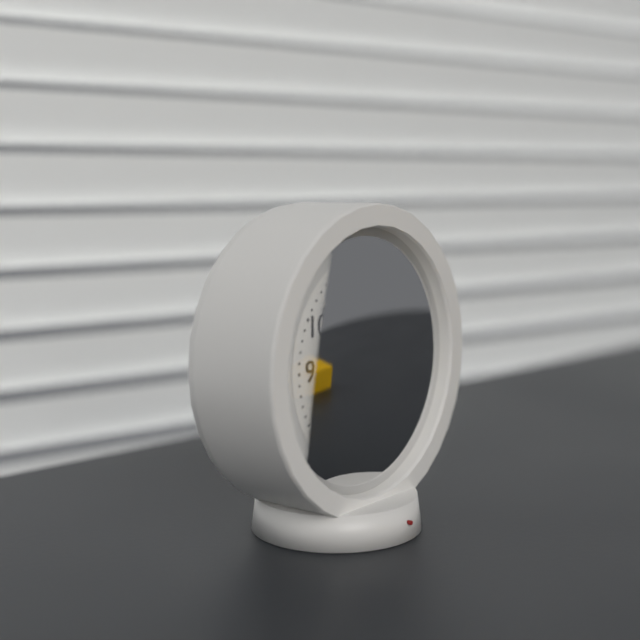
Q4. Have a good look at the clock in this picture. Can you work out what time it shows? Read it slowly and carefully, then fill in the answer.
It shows 7:52:15
